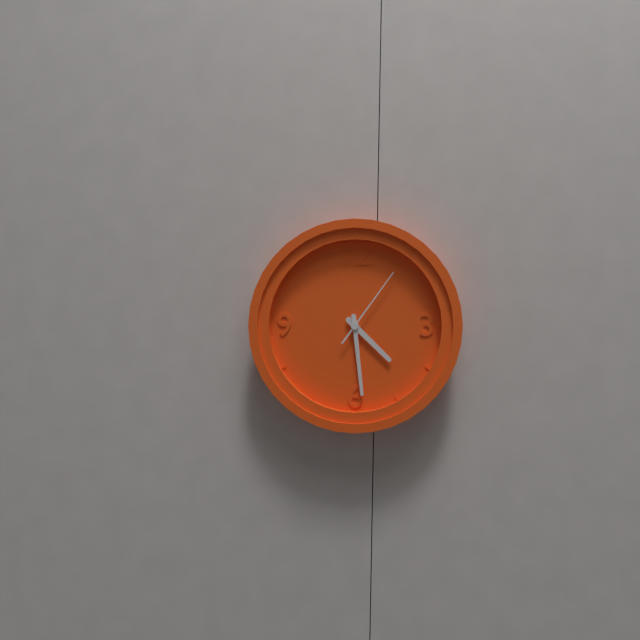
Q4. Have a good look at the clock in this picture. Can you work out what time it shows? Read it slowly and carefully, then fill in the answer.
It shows 4:29:06
